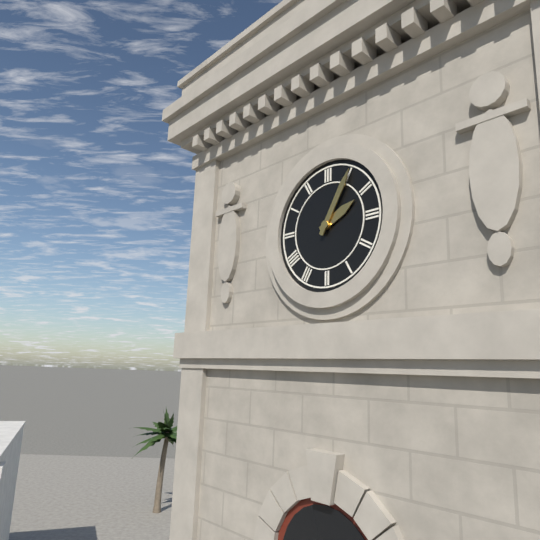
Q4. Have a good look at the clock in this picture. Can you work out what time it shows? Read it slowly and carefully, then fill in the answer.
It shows 2:05
